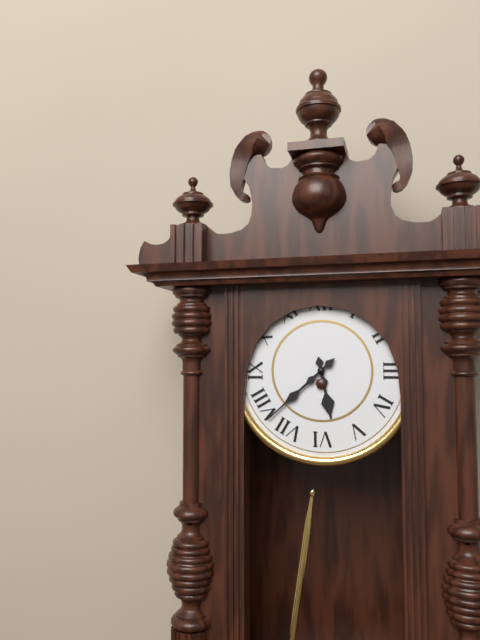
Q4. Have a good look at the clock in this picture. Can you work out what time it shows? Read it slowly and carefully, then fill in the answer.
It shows 5:38
